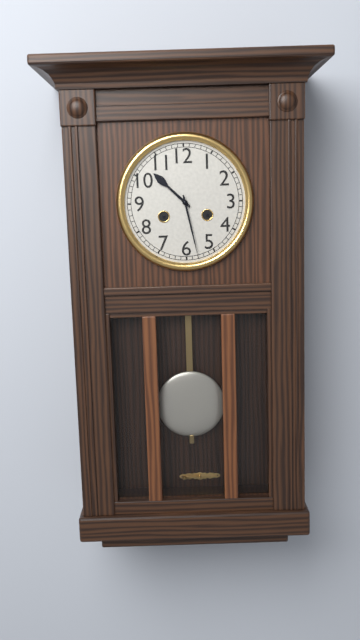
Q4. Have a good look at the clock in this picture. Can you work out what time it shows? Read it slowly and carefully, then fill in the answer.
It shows 10:28
